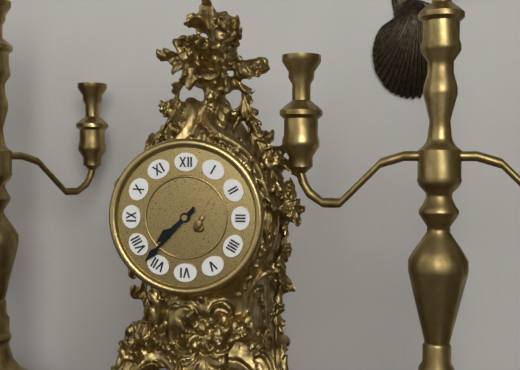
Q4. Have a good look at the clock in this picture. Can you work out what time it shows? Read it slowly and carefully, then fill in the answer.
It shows 7:37
